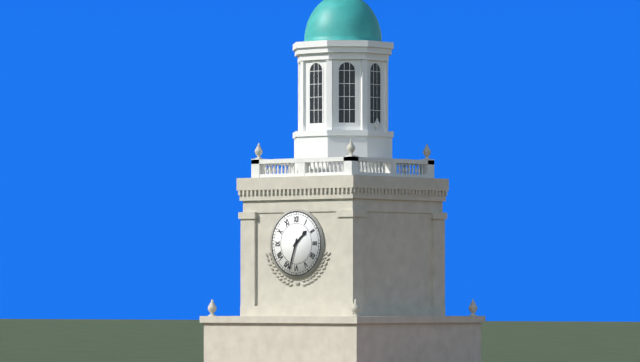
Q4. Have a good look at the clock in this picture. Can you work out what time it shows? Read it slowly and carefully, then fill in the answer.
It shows 1:33
